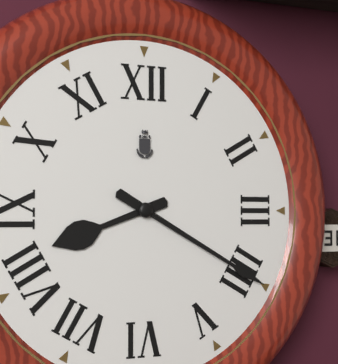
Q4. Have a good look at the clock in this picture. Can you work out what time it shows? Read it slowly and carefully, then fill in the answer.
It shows 8:20
